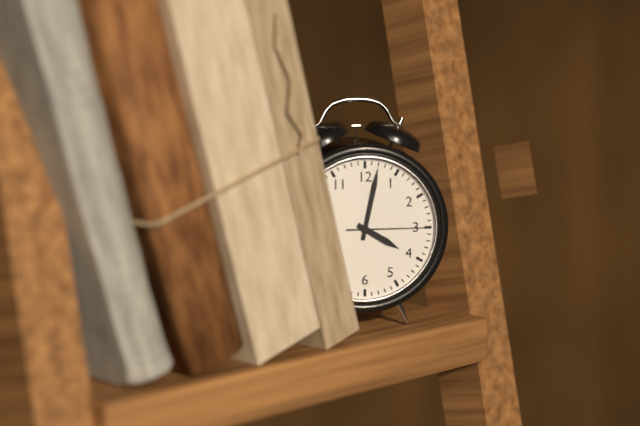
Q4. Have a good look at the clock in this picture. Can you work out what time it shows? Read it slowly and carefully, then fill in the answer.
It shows 4:02:15
